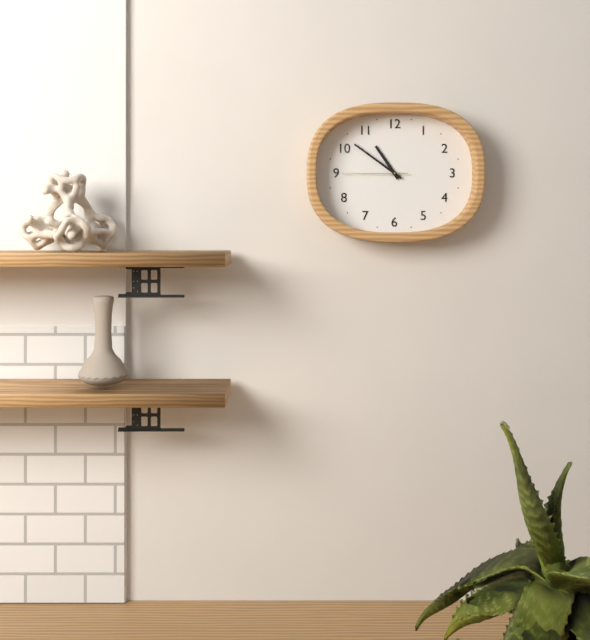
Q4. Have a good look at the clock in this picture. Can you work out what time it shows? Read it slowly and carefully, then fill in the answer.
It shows 10:51:45
